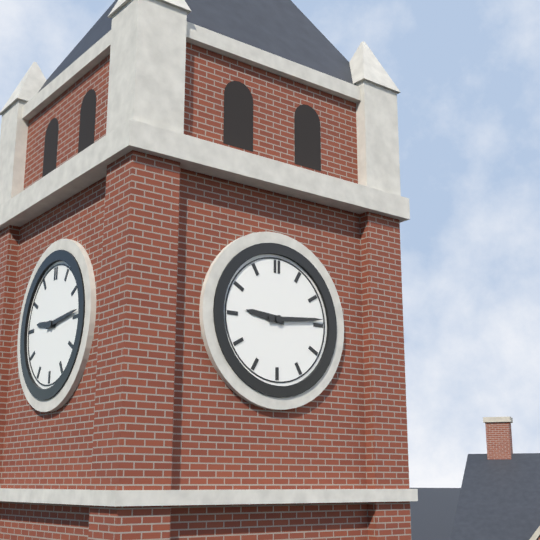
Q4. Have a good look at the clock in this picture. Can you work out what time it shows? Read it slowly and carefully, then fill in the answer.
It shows 9:14
